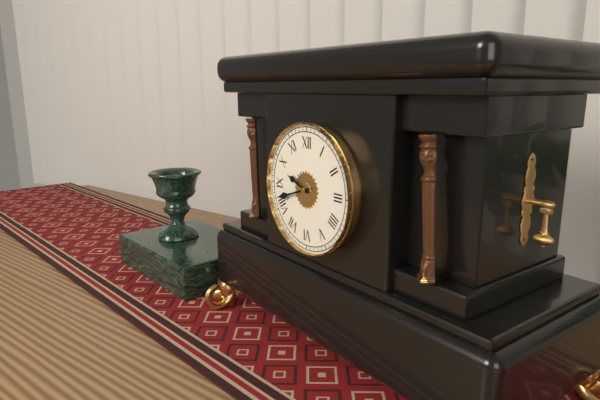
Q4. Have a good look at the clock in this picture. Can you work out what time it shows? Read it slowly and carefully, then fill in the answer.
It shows 9:42
